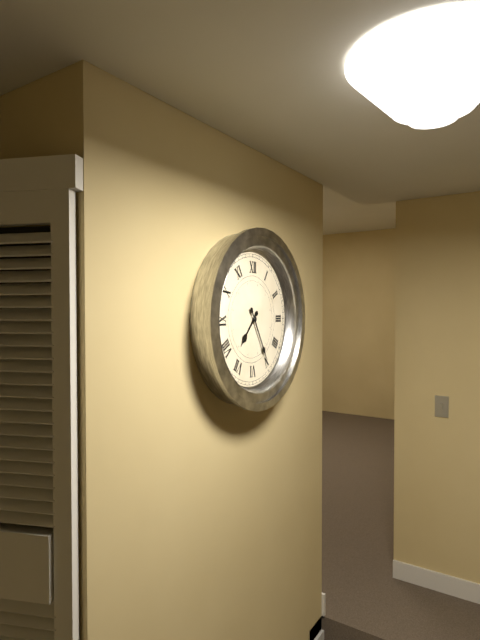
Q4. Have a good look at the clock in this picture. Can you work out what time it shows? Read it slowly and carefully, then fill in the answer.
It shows 7:25
